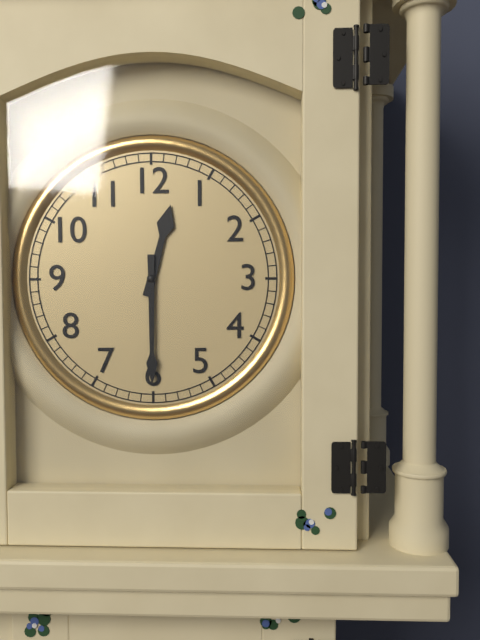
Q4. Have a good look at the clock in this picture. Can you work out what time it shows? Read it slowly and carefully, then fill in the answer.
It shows 12:30
